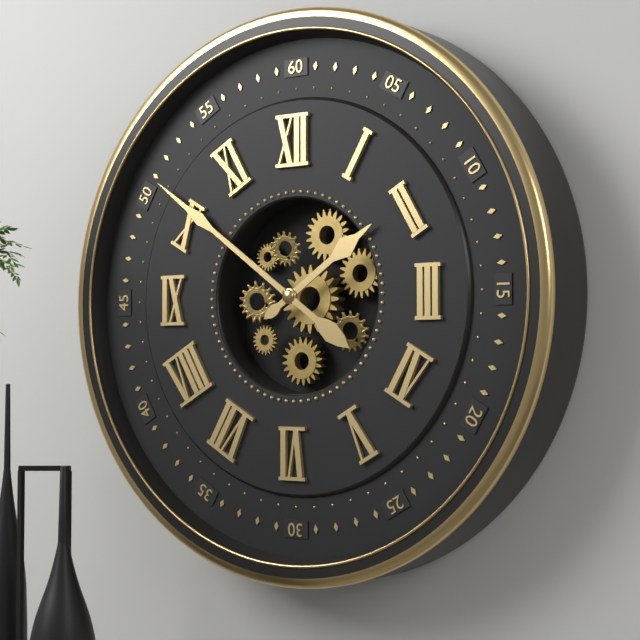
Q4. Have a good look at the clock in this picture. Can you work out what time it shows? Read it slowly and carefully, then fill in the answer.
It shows 1:51
